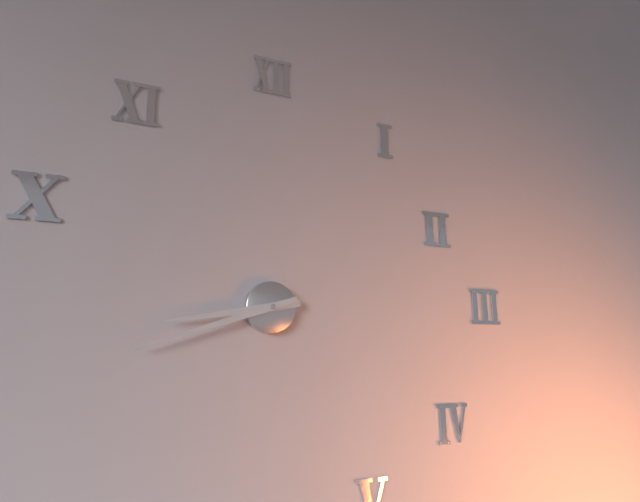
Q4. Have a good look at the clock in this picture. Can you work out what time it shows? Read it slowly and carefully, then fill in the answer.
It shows 8:42
